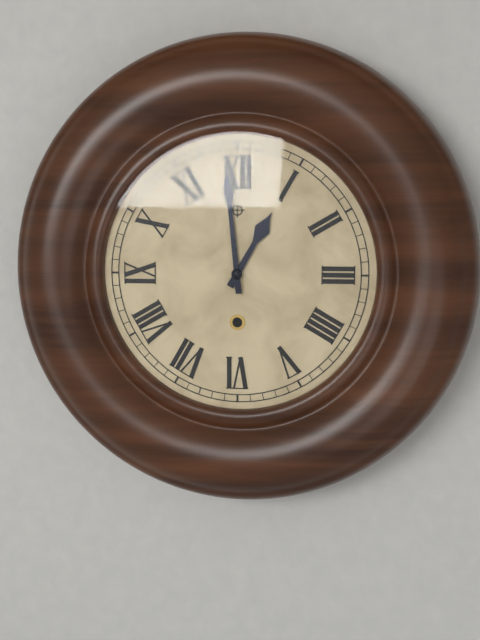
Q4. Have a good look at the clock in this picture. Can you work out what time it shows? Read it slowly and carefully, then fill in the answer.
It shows 12:59
